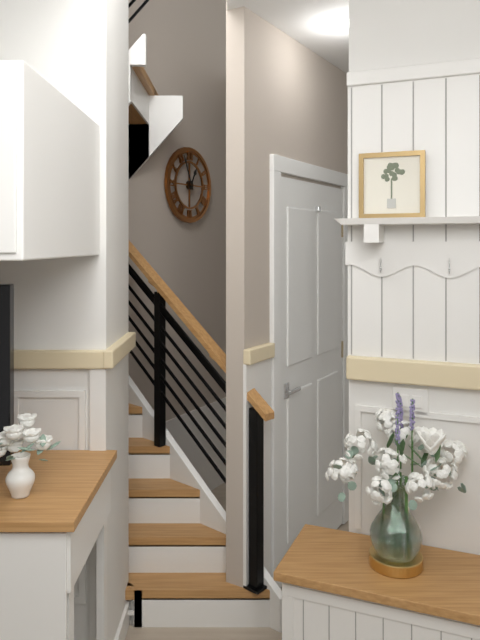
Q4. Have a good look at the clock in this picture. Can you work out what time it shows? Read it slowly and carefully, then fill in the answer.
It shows 12:56
